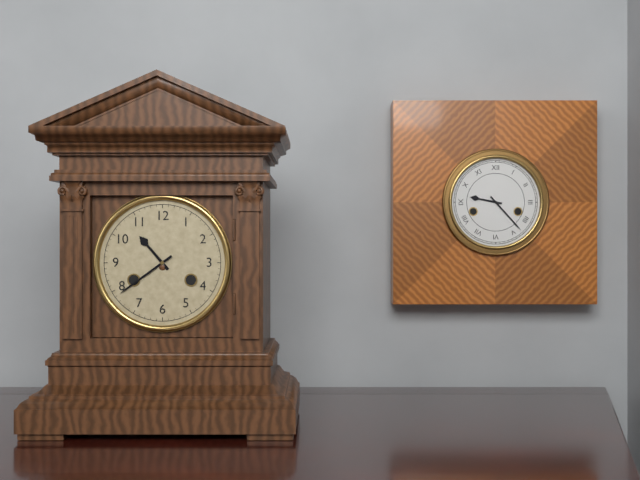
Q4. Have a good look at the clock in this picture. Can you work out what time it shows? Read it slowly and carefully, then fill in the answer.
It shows 10:39
